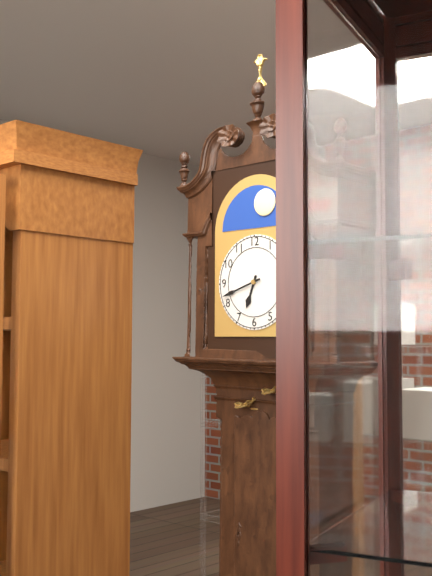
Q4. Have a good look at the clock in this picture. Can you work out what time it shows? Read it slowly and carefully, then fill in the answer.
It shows 6:42
